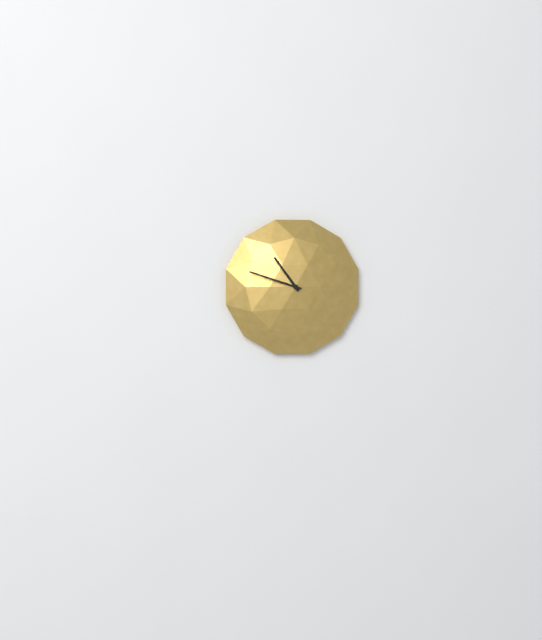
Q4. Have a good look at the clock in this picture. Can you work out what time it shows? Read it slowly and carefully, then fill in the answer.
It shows 10:48
